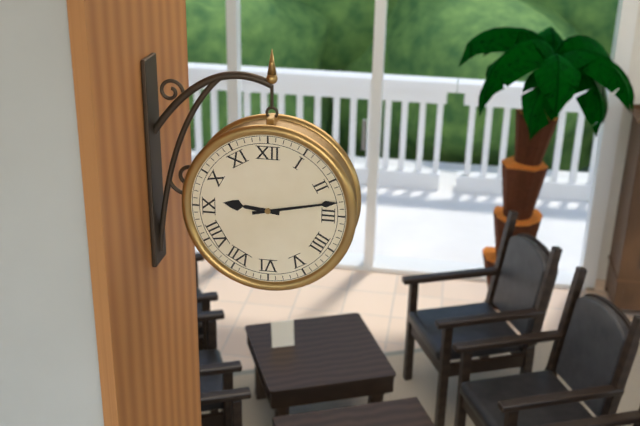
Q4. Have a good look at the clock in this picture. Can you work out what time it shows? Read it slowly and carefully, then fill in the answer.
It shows 9:13
